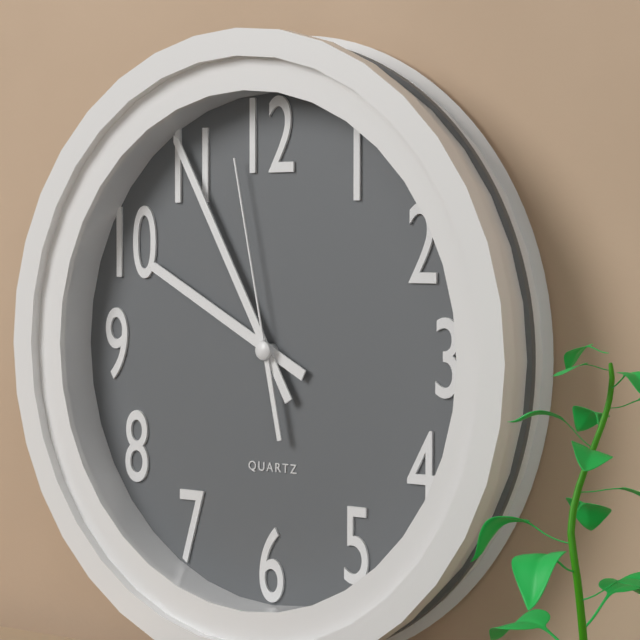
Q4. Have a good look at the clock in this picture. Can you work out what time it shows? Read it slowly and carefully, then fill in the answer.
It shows 9:55:58
